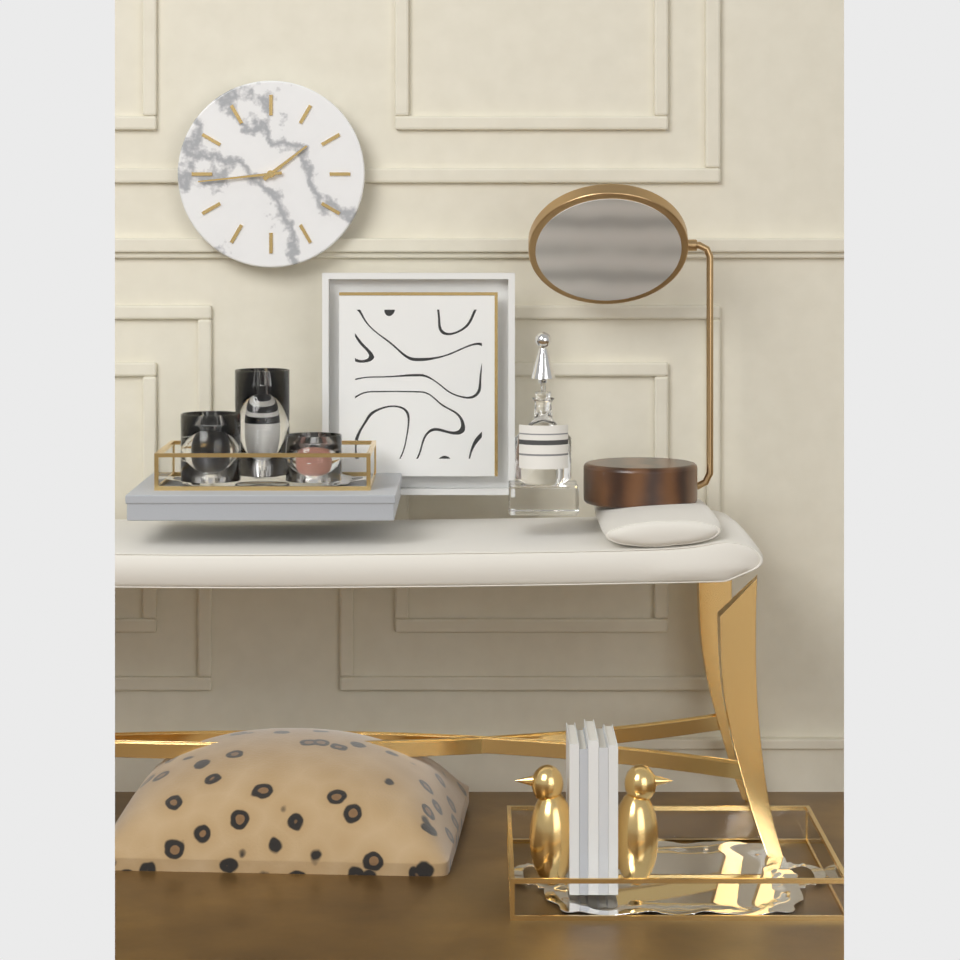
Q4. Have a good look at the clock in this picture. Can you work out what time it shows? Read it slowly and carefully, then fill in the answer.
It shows 1:44
